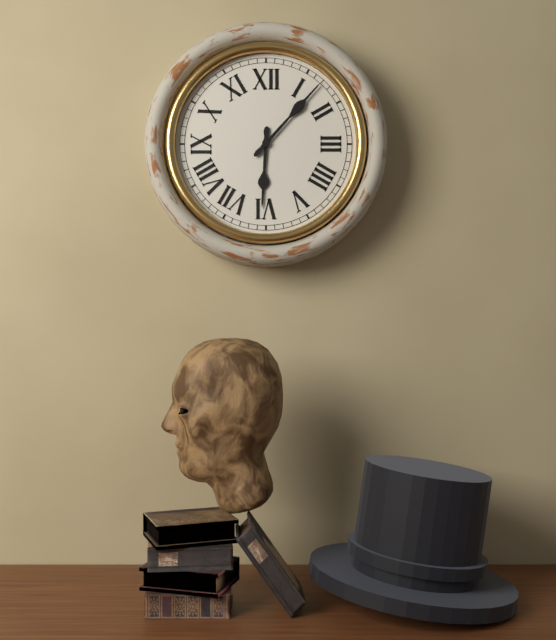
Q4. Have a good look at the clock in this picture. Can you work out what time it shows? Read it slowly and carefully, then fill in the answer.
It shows 6:07
